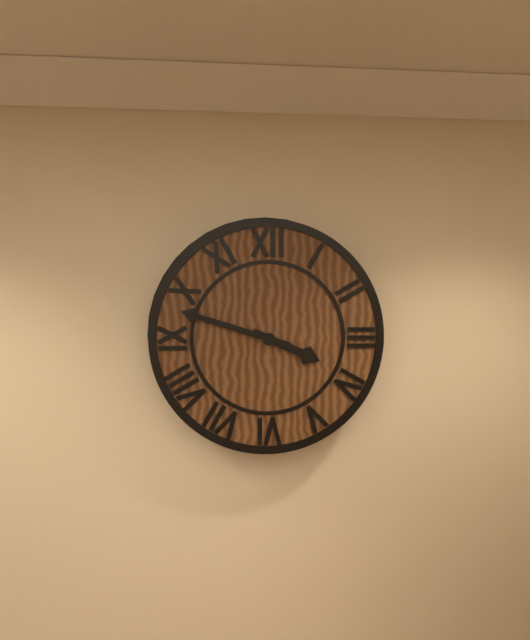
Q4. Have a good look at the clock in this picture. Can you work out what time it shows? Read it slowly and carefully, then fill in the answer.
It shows 3:48
